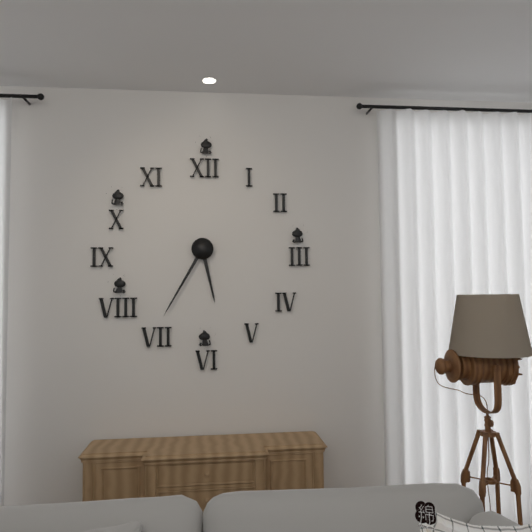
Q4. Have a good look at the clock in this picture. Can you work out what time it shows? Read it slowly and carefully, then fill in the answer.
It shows 5:35
